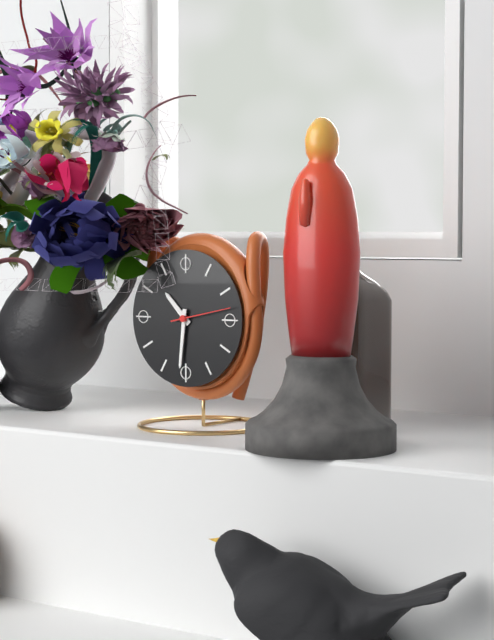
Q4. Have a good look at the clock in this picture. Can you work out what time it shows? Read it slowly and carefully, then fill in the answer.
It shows 10:31
